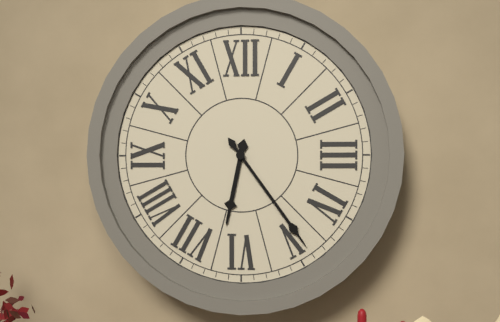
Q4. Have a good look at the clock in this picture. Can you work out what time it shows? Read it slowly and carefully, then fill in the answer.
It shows 6:24
